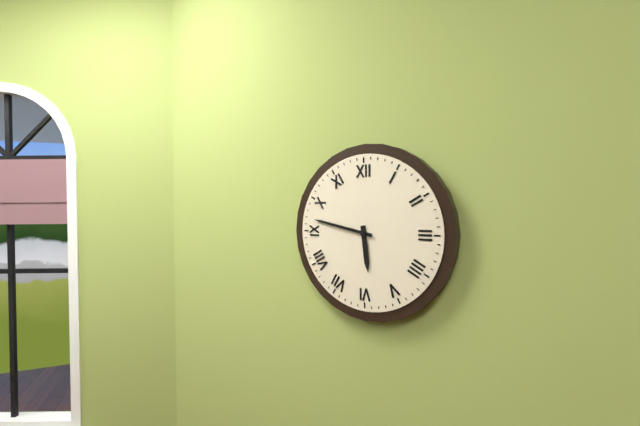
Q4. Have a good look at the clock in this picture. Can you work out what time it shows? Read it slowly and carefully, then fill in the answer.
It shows 5:47
